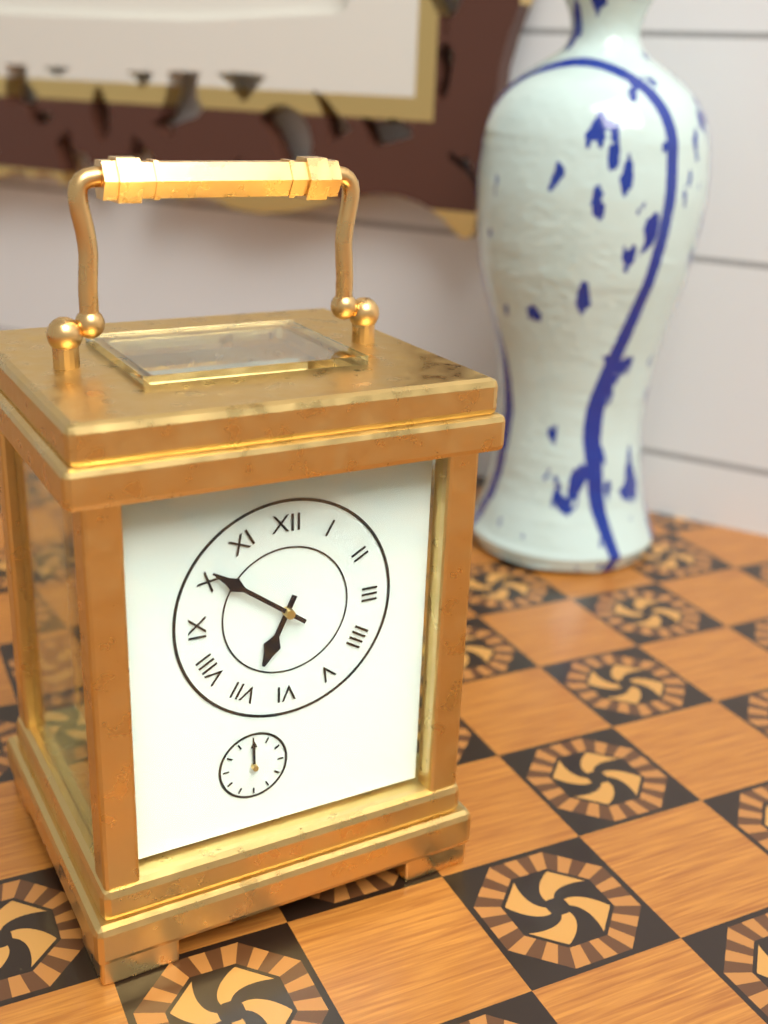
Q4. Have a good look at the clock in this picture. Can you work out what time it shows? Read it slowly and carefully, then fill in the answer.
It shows 6:51
